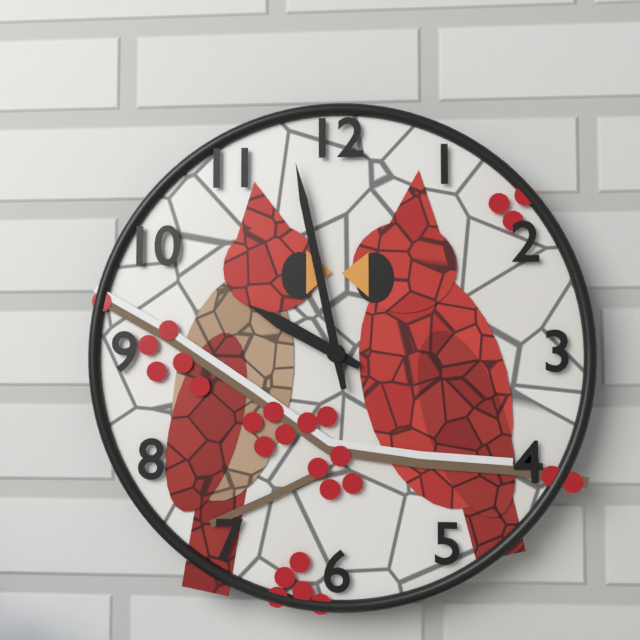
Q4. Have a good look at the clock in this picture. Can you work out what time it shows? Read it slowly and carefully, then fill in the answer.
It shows 9:58
